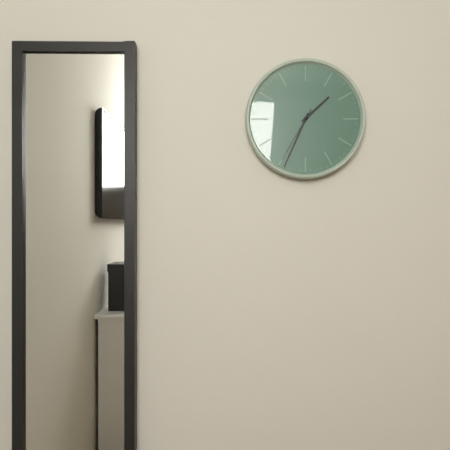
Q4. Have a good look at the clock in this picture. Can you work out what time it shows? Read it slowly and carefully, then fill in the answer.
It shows 1:34:35
